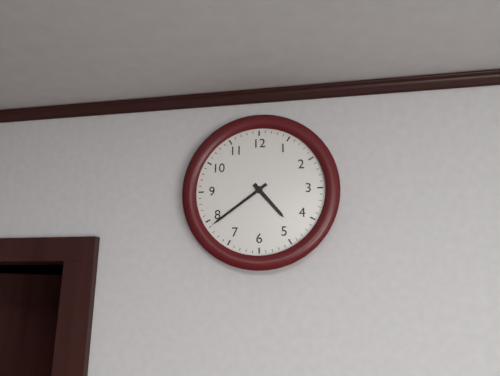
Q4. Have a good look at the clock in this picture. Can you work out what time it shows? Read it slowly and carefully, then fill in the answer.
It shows 4:39
